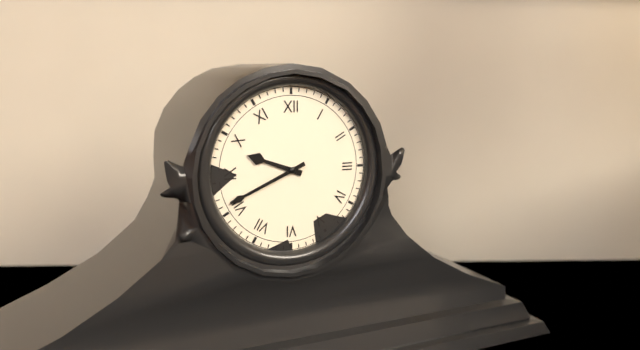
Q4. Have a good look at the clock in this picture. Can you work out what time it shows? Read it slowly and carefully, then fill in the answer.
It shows 9:41
